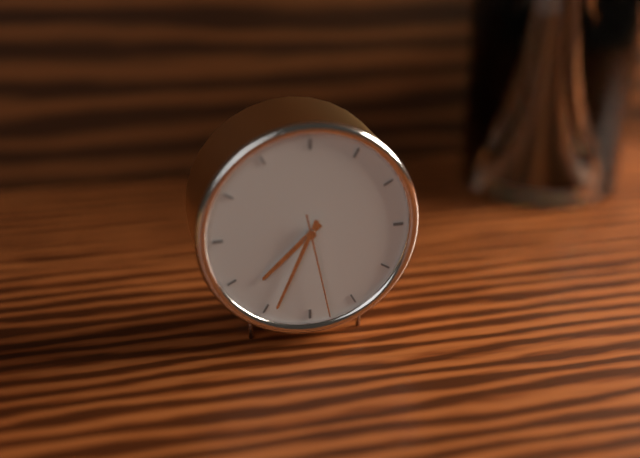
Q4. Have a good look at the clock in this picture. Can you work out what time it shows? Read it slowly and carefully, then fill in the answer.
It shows 7:34:28
